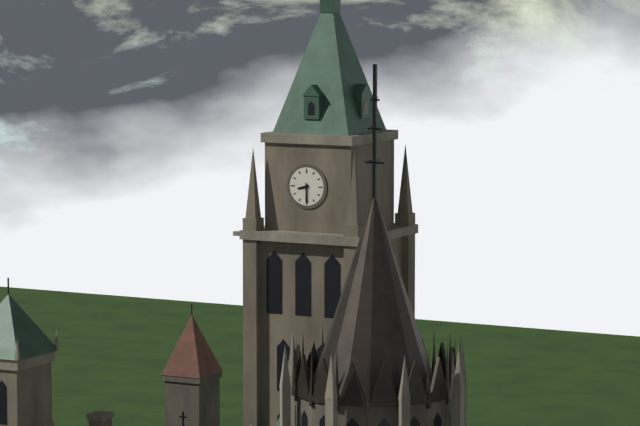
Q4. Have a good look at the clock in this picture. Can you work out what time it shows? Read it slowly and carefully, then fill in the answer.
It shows 8:30
